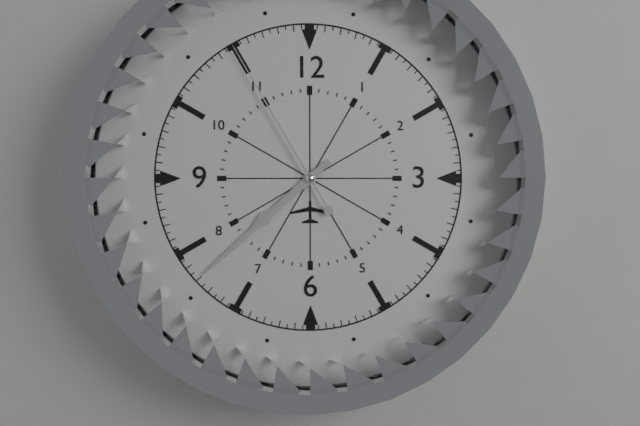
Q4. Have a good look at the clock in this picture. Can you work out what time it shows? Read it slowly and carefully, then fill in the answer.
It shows 7:38:55
